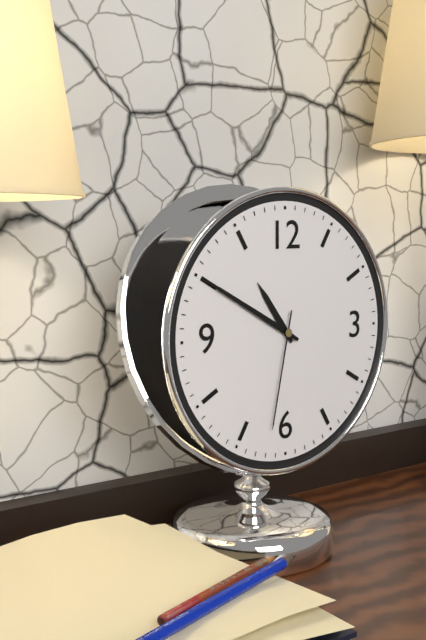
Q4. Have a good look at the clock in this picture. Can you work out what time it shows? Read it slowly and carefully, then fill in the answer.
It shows 10:50:32
